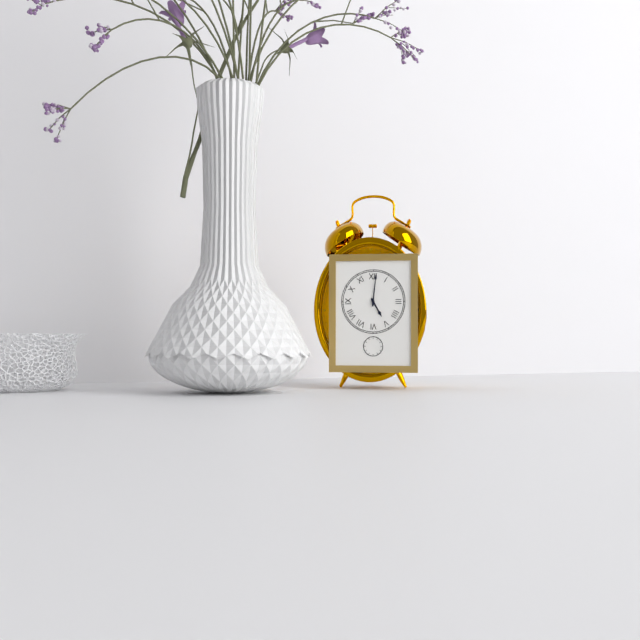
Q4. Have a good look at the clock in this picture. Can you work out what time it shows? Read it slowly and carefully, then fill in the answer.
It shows 5:01
